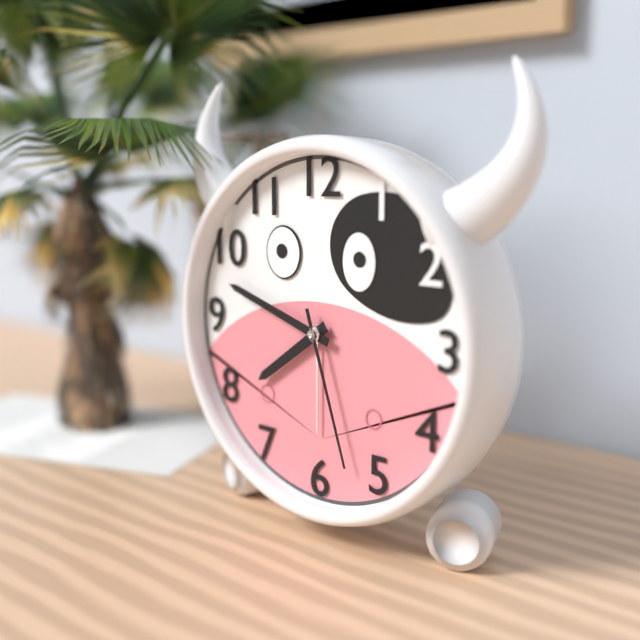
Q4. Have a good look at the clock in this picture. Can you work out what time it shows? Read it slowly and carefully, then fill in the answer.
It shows 7:48:27
